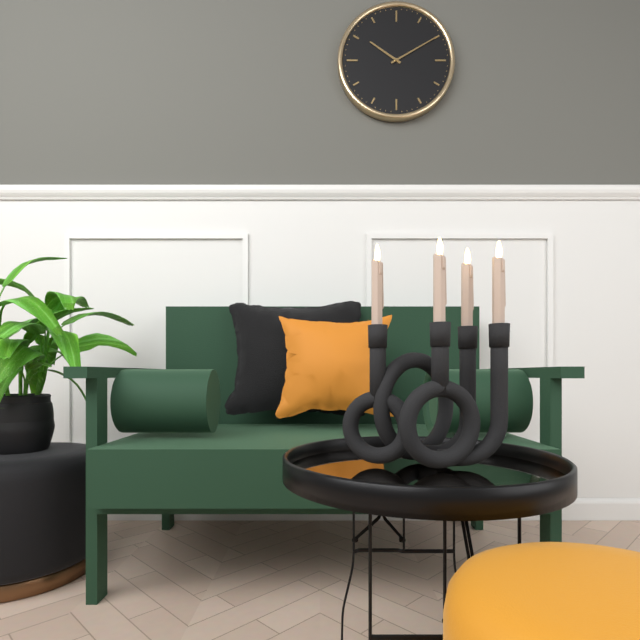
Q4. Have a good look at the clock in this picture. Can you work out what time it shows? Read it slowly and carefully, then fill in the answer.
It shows 10:10
